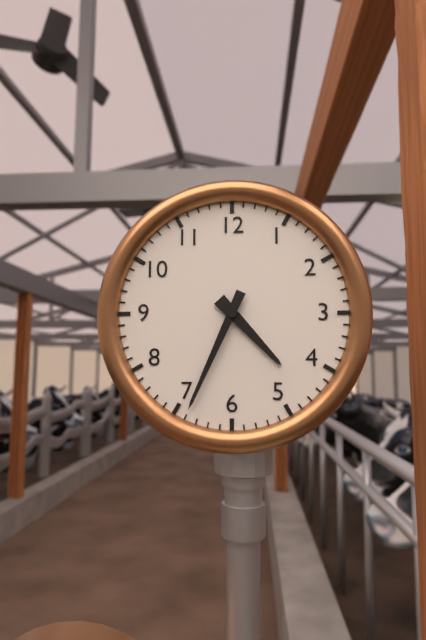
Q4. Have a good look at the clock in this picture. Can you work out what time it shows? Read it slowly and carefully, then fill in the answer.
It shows 4:34
